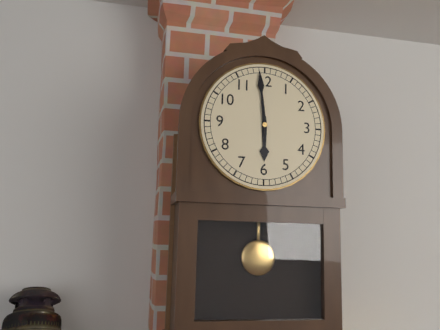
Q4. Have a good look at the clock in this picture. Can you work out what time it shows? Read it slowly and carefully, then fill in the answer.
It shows 5:59
